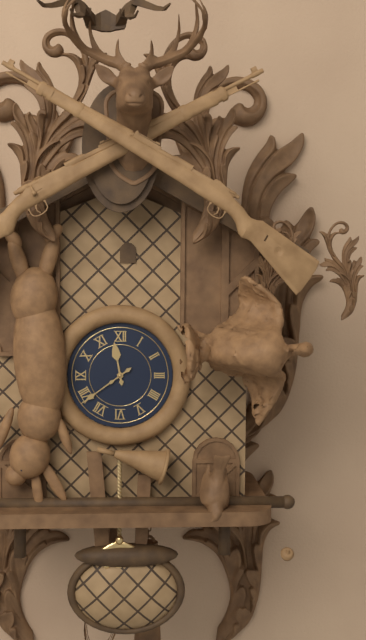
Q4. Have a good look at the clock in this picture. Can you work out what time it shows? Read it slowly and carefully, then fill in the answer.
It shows 11:39
